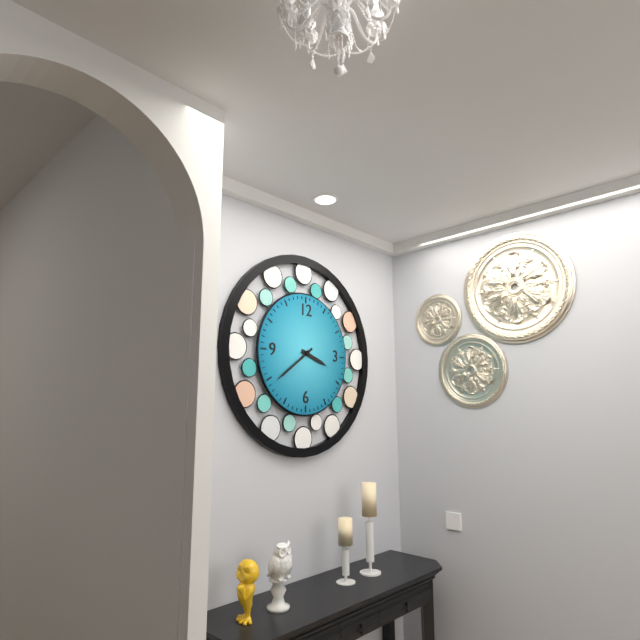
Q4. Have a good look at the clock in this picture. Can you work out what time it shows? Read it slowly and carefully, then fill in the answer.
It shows 3:39
